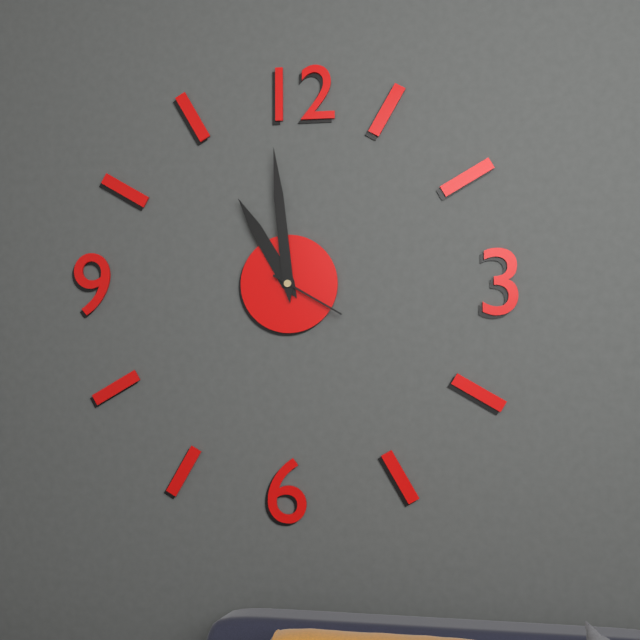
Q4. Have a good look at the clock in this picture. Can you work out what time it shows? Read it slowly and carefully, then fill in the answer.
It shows 10:59:20
